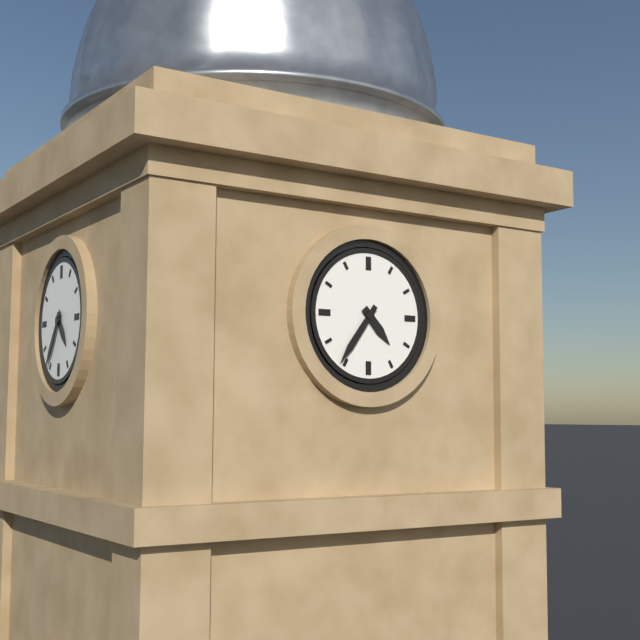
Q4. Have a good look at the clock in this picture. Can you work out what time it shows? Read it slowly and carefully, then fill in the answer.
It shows 4:36
